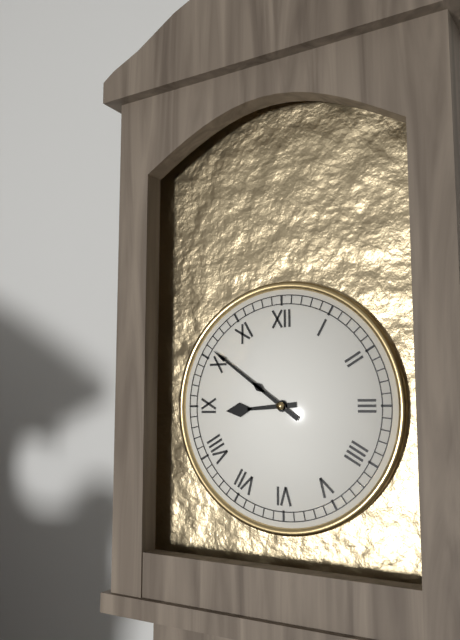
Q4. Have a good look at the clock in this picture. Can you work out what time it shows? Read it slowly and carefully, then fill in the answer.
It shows 8:51
